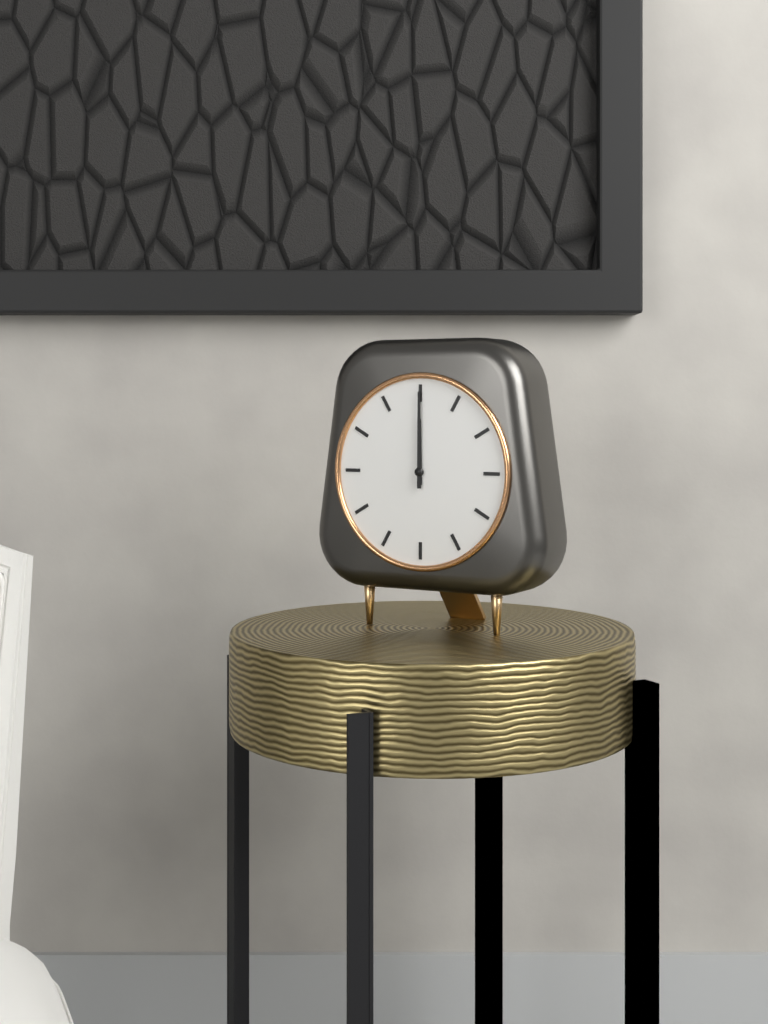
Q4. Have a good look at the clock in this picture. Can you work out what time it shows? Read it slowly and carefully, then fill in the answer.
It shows 12:00
